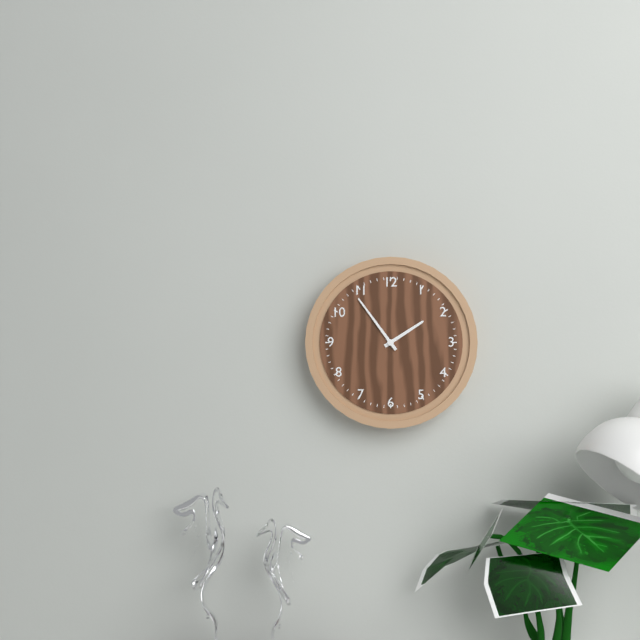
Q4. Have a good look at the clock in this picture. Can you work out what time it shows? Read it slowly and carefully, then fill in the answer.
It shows 1:54
